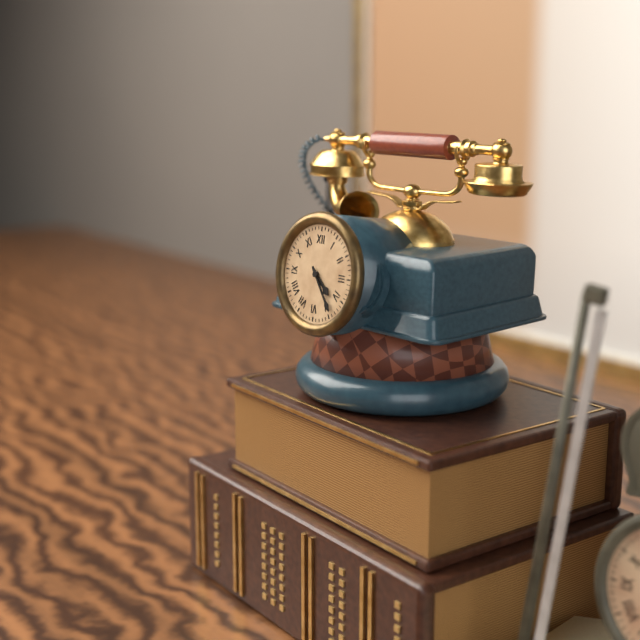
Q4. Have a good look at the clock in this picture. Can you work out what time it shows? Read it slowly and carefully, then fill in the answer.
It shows 4:24
